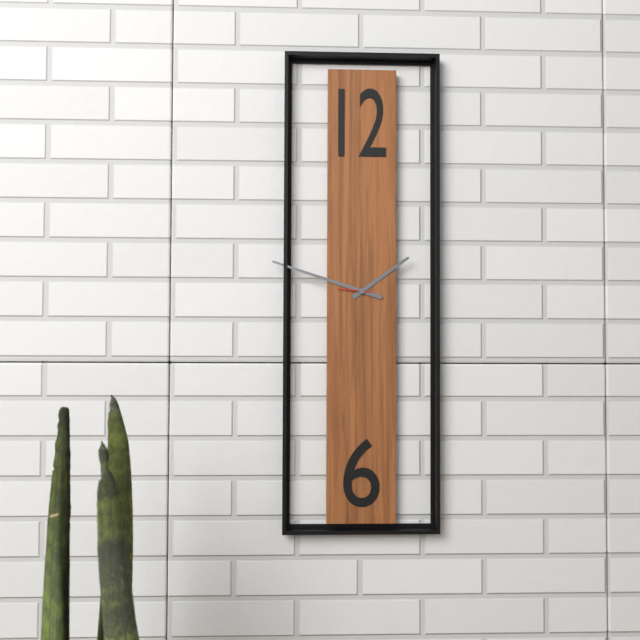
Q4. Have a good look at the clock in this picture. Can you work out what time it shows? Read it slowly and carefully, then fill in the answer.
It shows 1:48
